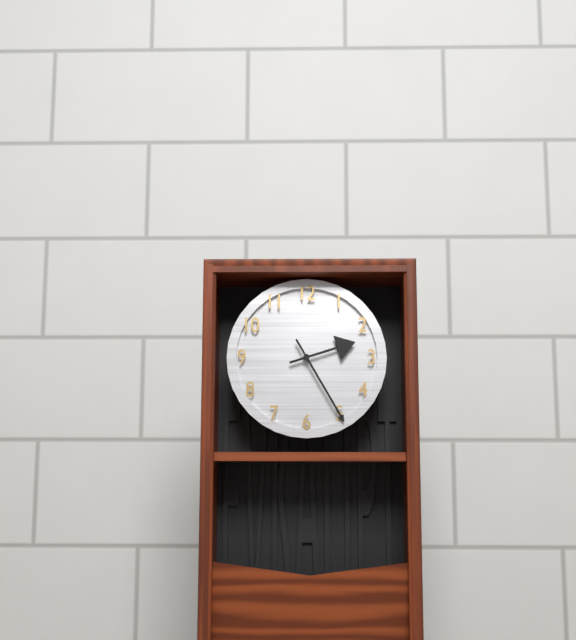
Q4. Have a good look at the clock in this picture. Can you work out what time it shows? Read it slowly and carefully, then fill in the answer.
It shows 2:25
